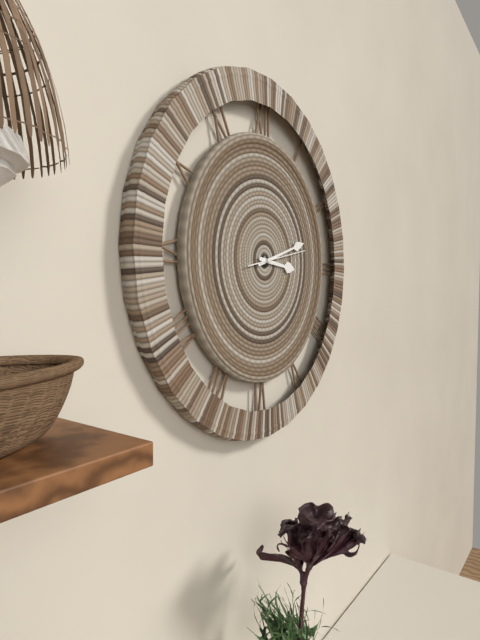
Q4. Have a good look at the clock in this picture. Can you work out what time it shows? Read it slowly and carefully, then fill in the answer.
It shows 3:12
